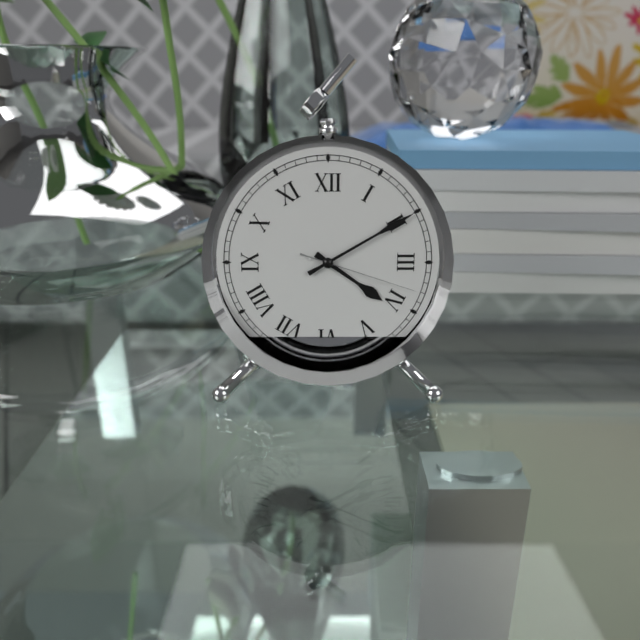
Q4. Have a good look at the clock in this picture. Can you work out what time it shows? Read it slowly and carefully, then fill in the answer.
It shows 4:10:18
